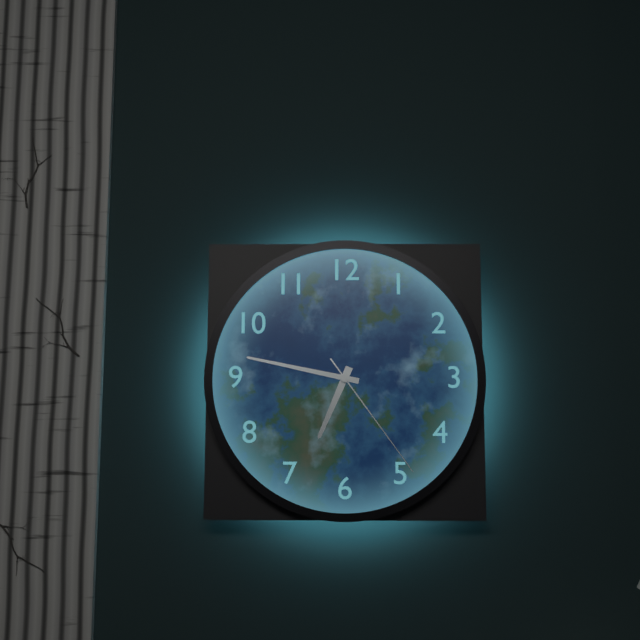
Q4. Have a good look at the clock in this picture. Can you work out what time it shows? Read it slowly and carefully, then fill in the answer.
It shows 6:47:24
